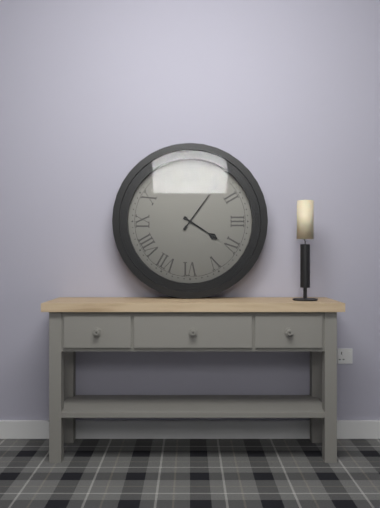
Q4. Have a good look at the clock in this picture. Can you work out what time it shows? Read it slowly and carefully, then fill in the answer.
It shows 4:06
